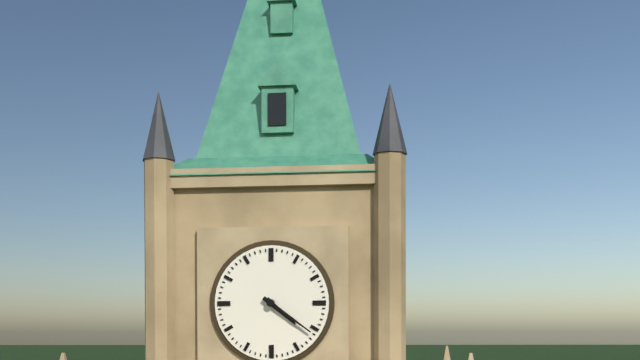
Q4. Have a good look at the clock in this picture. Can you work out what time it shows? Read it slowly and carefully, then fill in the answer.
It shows 4:21
